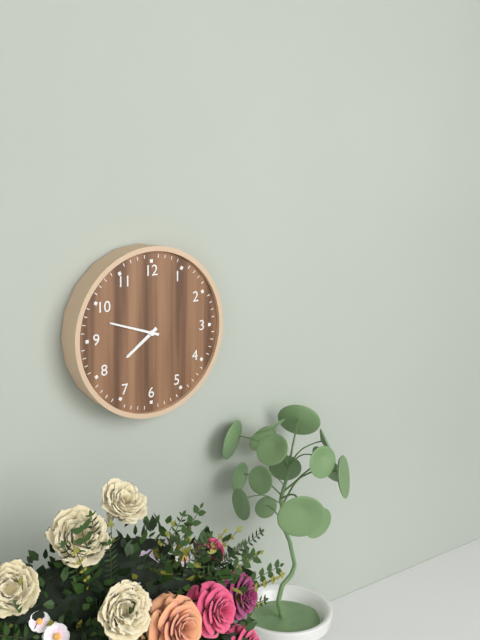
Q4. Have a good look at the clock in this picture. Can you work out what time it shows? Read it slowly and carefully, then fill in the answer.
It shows 7:48
